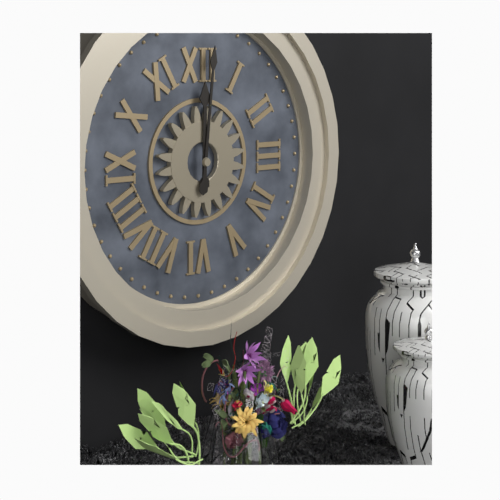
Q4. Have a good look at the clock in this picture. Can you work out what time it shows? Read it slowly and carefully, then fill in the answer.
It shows 12:01
